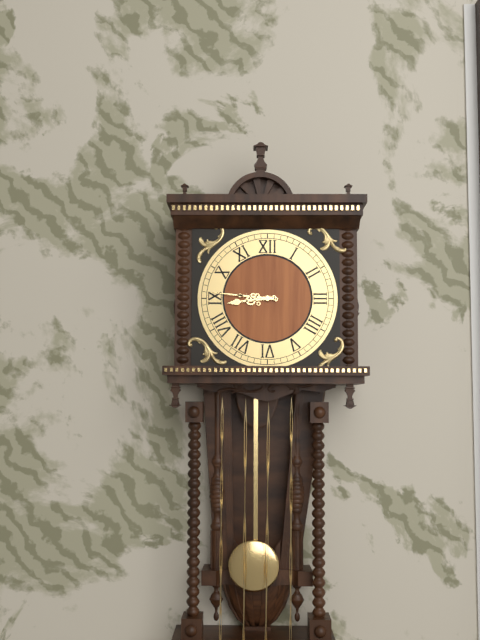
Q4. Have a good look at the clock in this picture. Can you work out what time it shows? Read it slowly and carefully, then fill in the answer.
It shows 8:46
